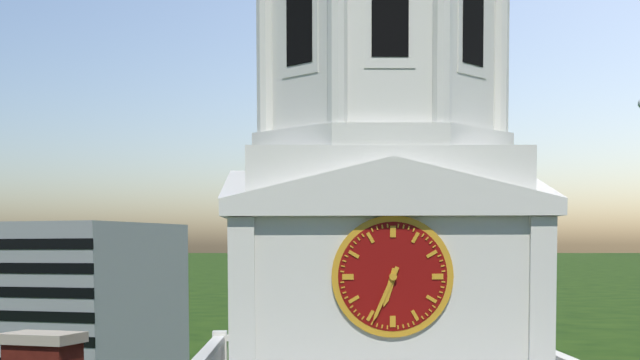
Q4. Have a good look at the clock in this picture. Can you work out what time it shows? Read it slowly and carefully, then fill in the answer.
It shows 6:34
